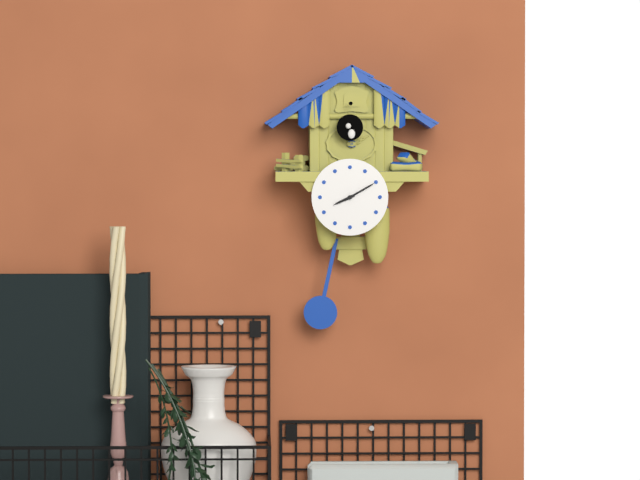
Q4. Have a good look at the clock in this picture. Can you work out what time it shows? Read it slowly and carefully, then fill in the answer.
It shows 8:10
